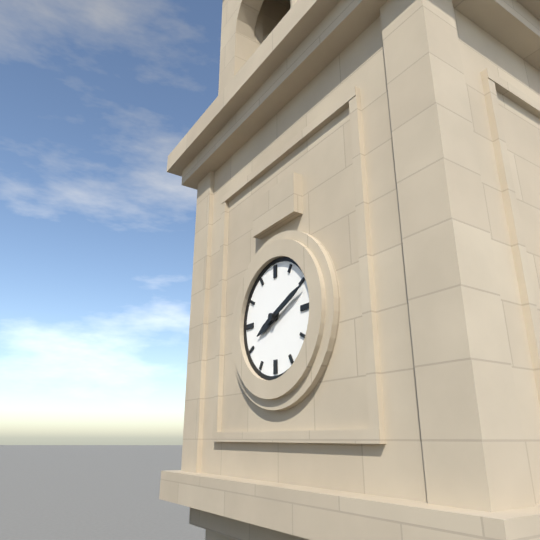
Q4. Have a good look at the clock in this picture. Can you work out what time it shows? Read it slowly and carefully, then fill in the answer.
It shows 8:11
